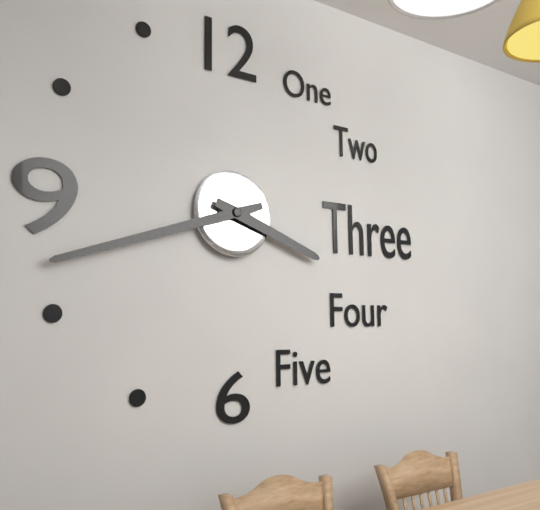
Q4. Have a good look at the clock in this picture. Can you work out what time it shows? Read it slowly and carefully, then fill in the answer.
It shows 3:42
